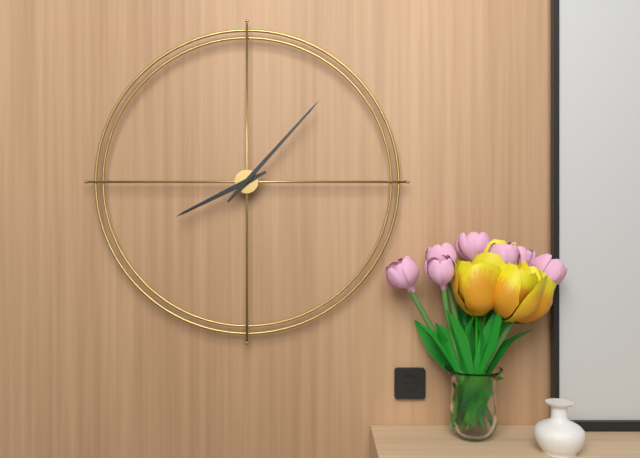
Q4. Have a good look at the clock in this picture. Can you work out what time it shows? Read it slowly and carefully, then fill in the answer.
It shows 8:07
